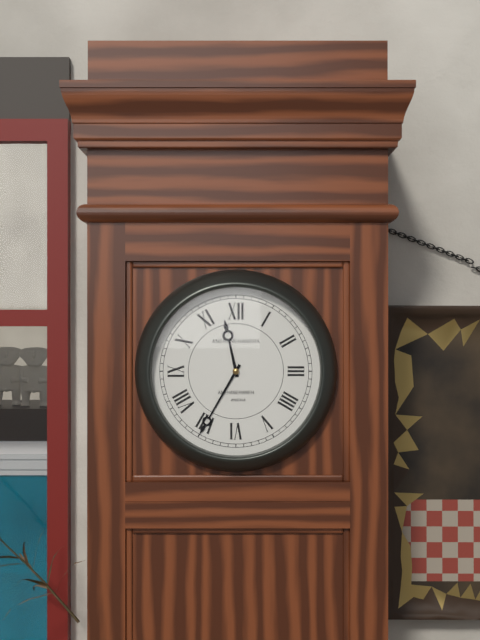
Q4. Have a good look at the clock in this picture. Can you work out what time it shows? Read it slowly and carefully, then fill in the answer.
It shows 11:35
